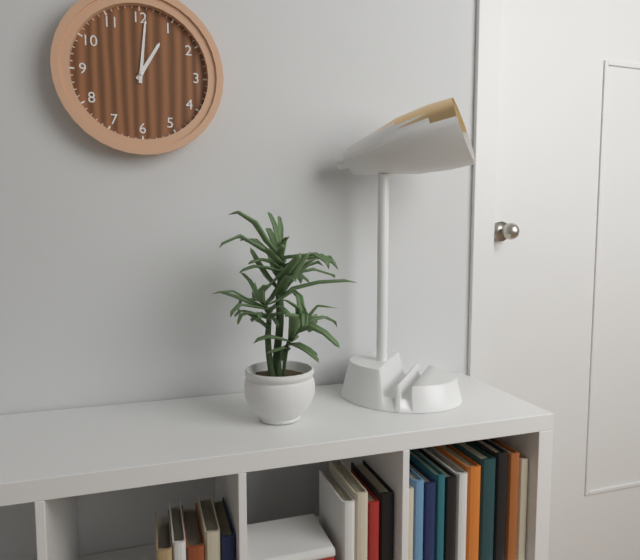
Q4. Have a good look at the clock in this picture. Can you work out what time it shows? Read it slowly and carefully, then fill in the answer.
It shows 1:01
